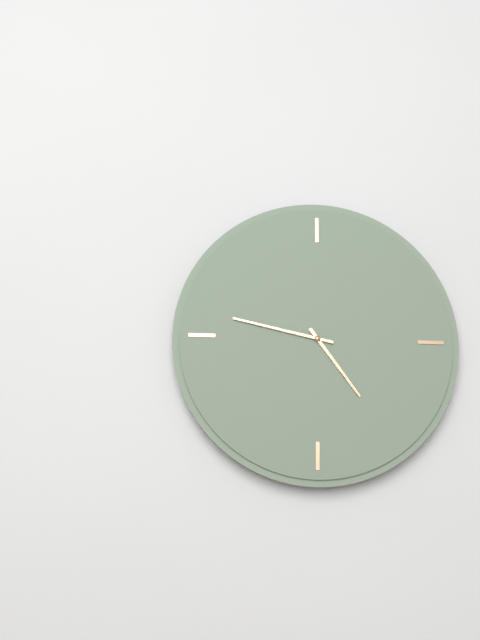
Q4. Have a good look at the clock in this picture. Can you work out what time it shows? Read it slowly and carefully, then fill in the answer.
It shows 4:47
